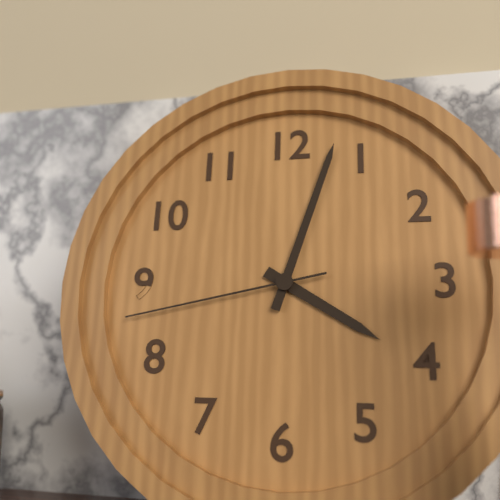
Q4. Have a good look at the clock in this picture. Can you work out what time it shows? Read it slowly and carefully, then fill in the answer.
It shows 4:03:43
